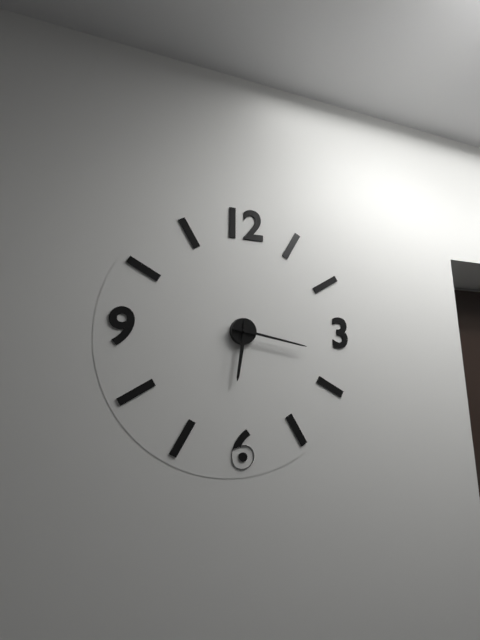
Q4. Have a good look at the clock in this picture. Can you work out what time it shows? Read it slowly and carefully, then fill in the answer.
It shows 6:17
